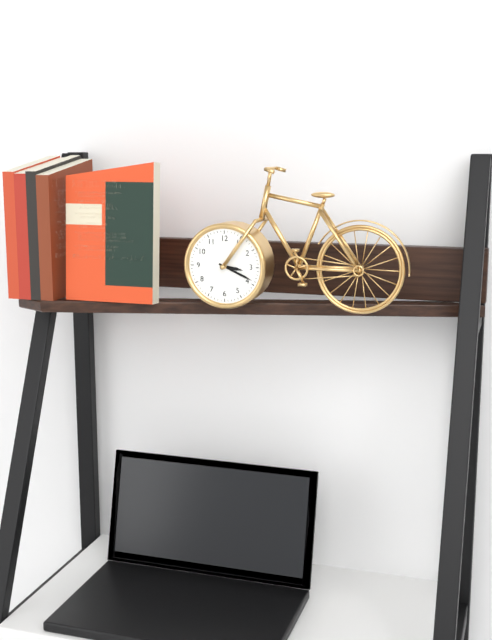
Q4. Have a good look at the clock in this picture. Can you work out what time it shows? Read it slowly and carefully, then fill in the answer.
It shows 3:19
